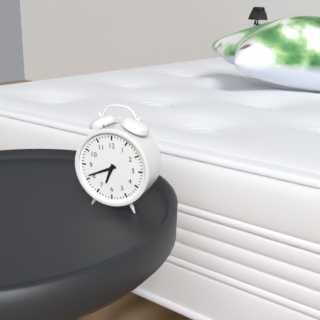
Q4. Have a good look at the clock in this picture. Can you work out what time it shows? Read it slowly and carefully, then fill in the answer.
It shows 6:41
